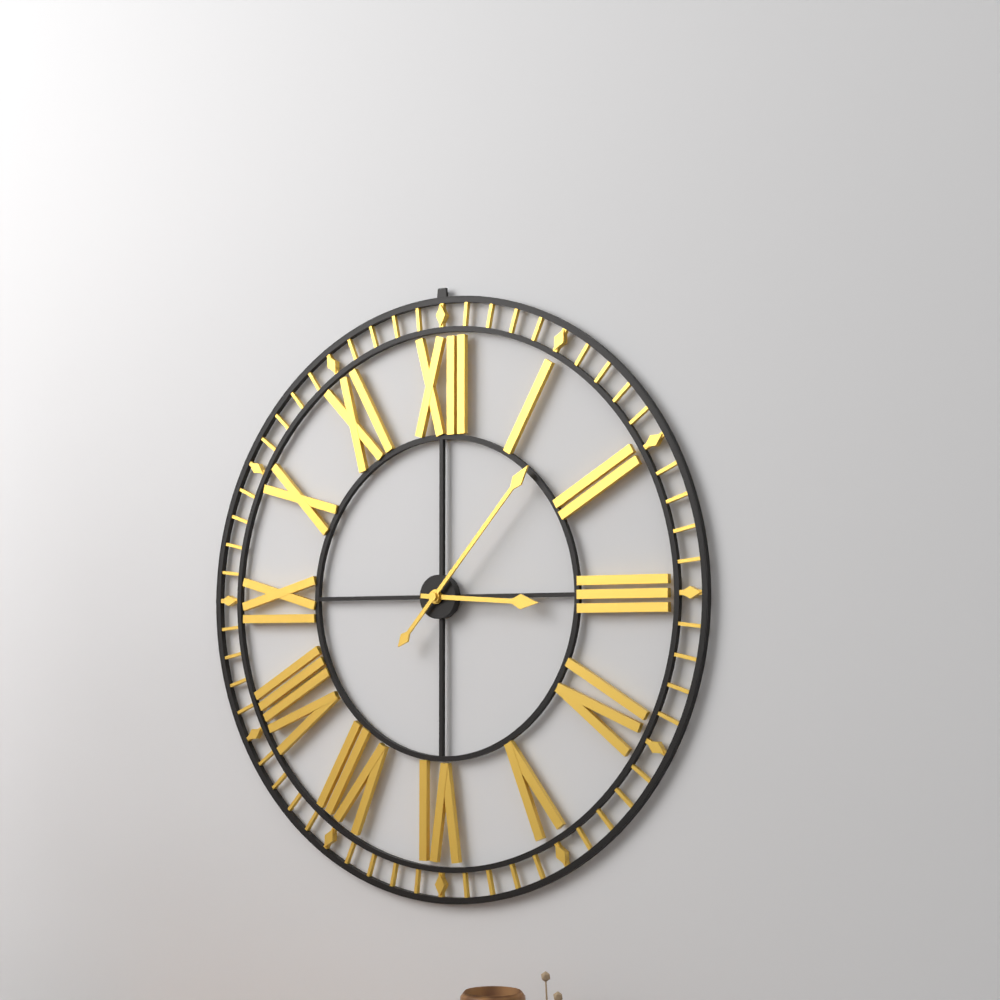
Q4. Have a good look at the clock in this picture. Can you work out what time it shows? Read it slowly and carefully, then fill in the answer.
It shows 3:07
